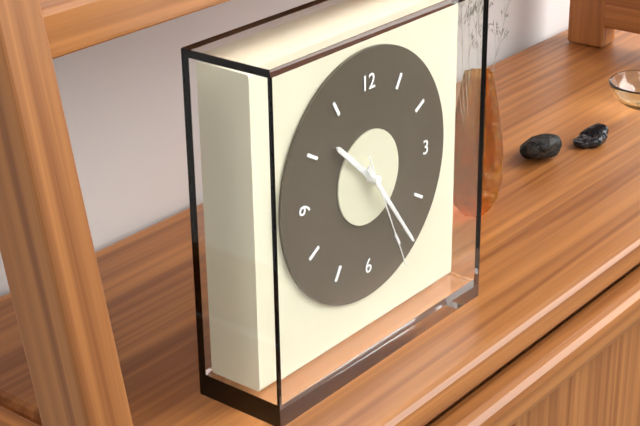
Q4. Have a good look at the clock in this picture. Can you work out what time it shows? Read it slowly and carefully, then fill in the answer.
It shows 10:24:26
